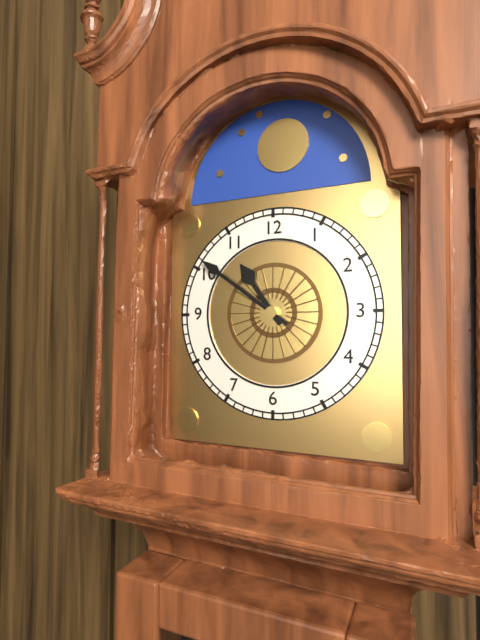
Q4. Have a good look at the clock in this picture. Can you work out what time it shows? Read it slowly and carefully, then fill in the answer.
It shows 10:51
